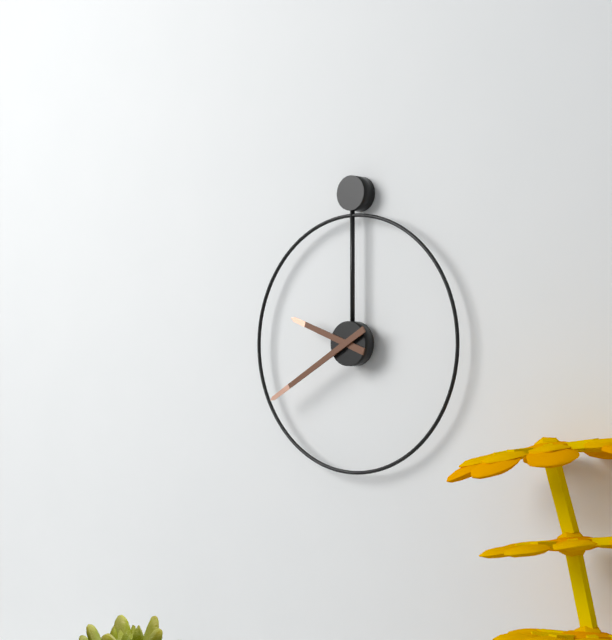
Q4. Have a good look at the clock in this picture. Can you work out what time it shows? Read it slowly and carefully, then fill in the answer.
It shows 9:40
